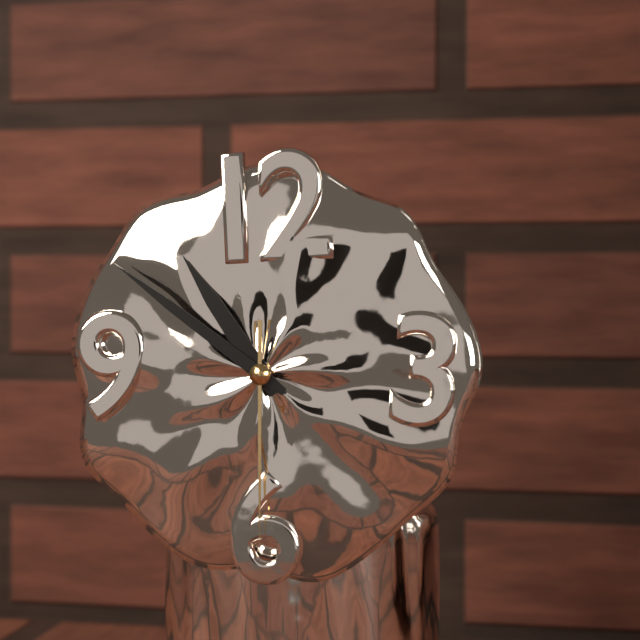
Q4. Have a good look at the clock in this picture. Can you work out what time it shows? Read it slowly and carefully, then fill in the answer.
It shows 10:51:30
